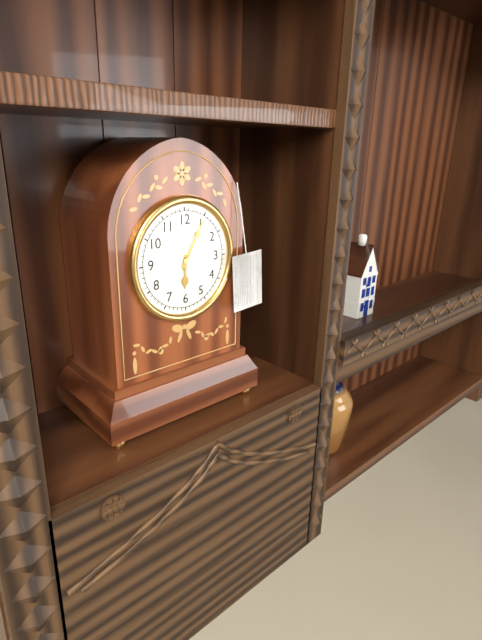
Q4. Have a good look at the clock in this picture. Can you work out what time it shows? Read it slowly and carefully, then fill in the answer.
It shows 6:05
